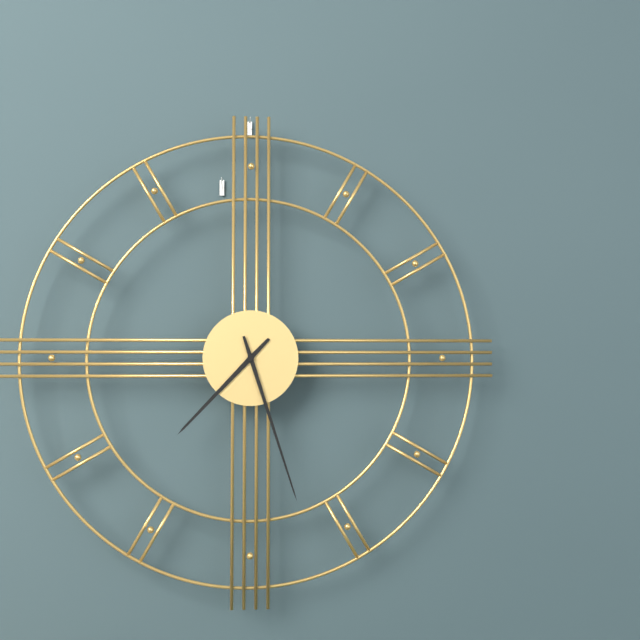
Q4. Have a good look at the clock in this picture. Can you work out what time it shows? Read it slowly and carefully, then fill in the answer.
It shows 7:27
